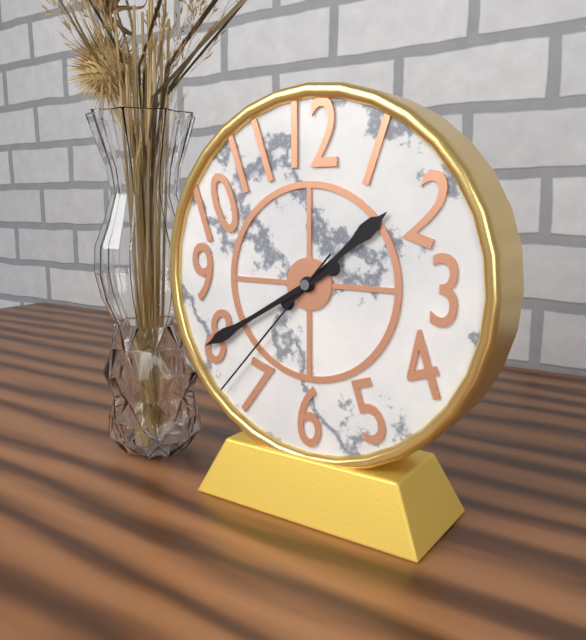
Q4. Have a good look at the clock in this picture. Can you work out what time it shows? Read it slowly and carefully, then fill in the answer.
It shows 1:40:37
